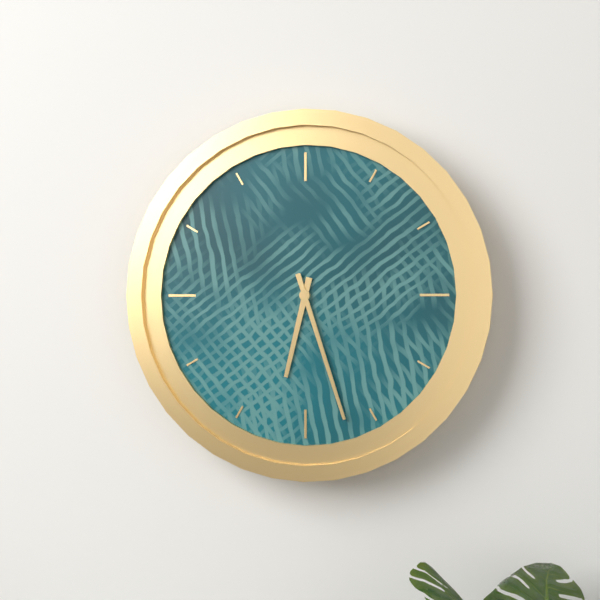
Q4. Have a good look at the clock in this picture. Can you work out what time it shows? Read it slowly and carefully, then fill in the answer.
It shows 6:27
